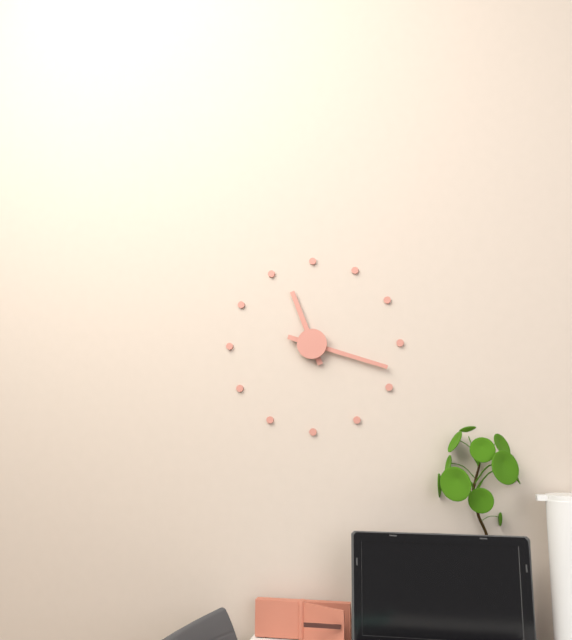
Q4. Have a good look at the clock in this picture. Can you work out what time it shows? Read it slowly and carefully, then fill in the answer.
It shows 11:18
